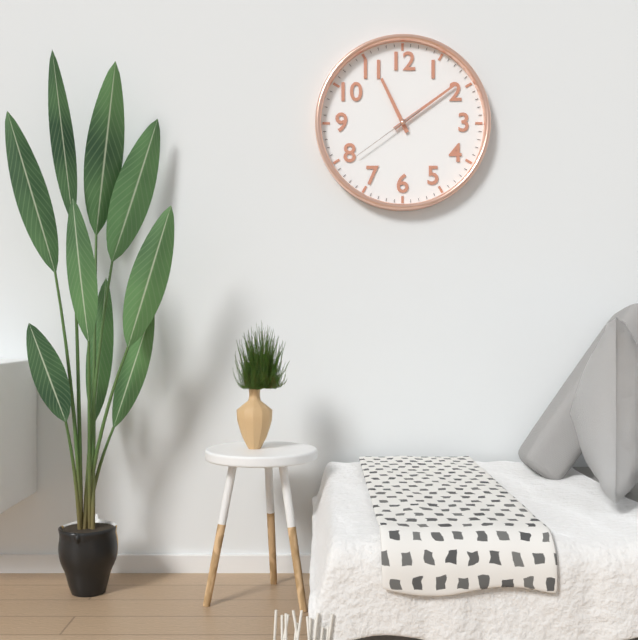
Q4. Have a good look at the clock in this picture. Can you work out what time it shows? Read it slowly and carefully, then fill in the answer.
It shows 11:09:39
